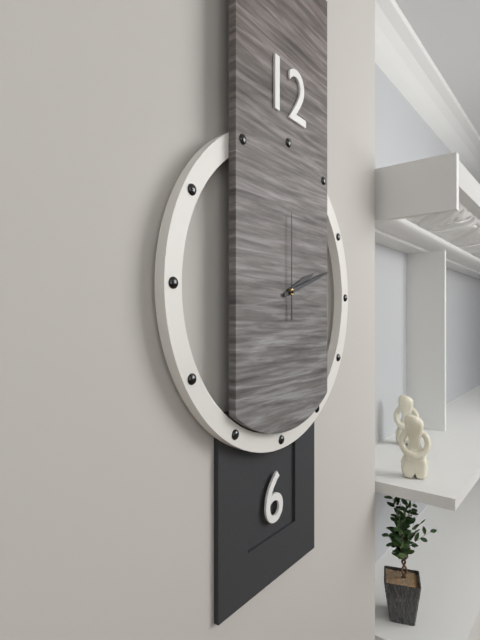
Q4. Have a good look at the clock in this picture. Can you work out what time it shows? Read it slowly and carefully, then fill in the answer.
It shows 2:12:00
